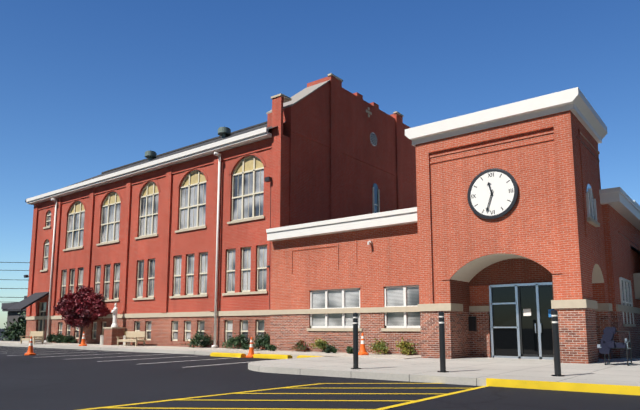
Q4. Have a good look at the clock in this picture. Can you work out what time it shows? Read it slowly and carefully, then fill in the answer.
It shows 11:33
